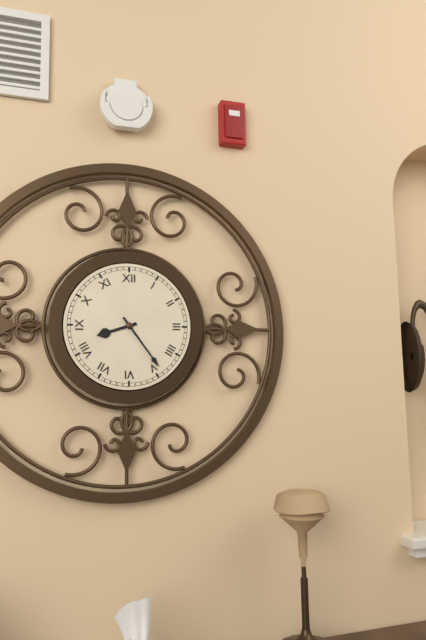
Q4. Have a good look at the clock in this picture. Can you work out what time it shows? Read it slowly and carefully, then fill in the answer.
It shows 8:24
